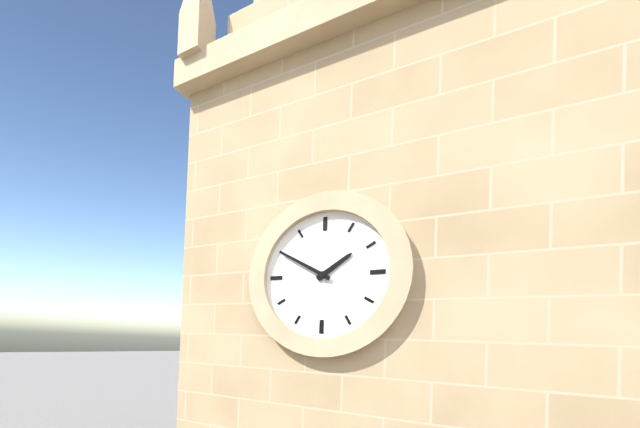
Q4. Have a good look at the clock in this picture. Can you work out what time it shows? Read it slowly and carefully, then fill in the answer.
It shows 1:50
